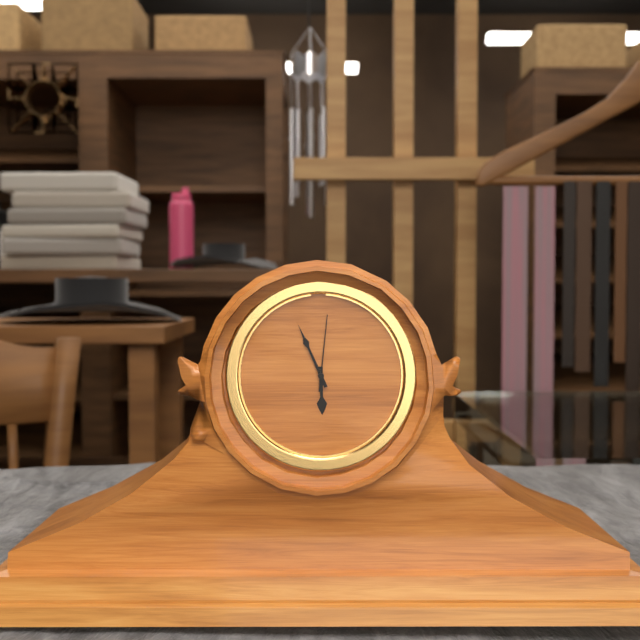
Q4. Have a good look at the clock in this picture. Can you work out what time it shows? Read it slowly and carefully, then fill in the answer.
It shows 5:56:01
